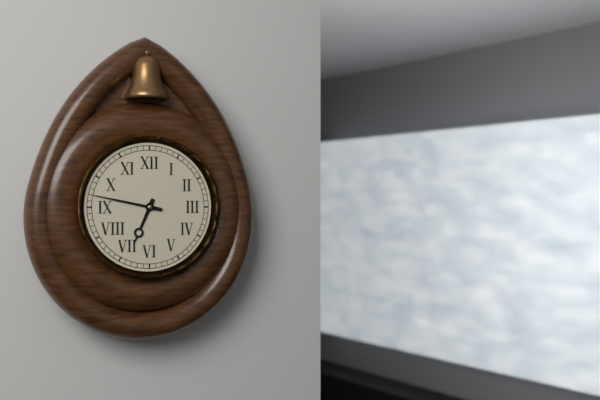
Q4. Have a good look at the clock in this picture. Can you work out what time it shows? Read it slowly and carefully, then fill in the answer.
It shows 6:47
